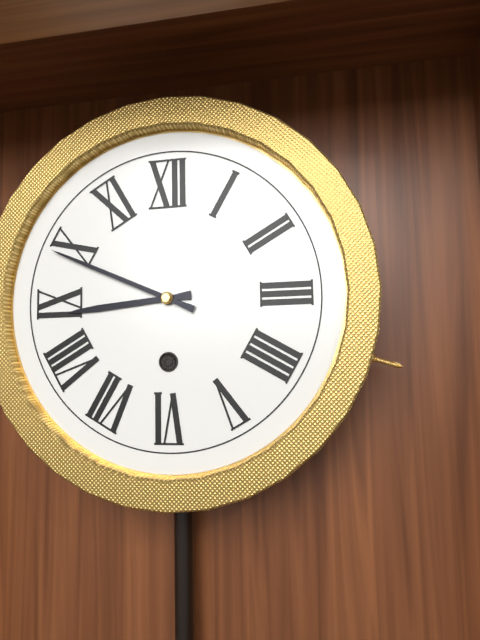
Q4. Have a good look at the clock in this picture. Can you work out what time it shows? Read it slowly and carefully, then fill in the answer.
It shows 8:49
